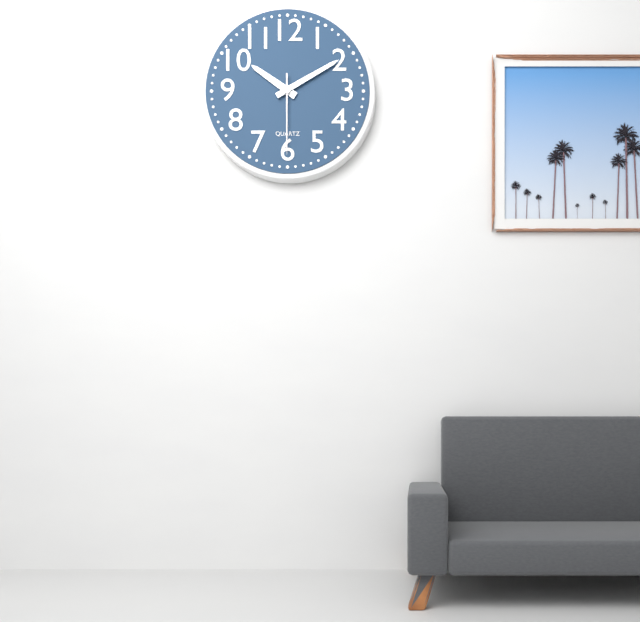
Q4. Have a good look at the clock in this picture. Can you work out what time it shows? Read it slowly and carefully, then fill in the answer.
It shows 10:10:30
